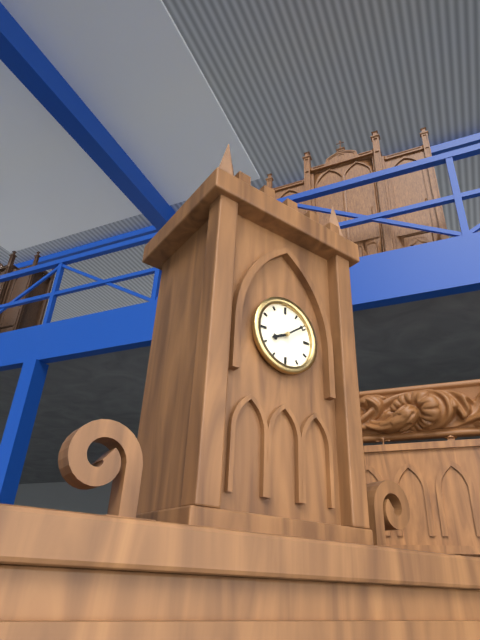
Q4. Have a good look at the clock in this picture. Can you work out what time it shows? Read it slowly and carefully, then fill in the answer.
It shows 8:09
